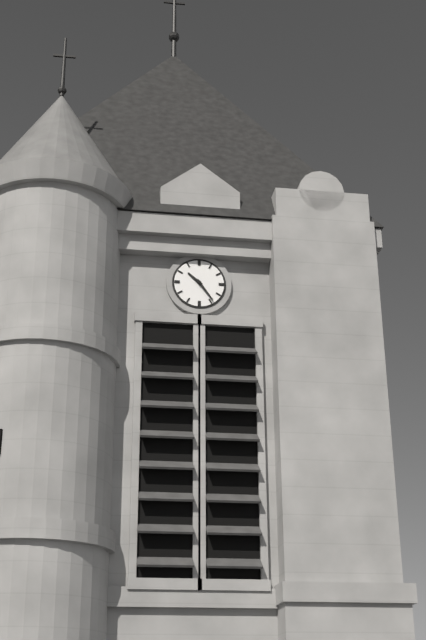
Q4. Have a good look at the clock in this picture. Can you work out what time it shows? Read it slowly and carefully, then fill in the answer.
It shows 10:24
